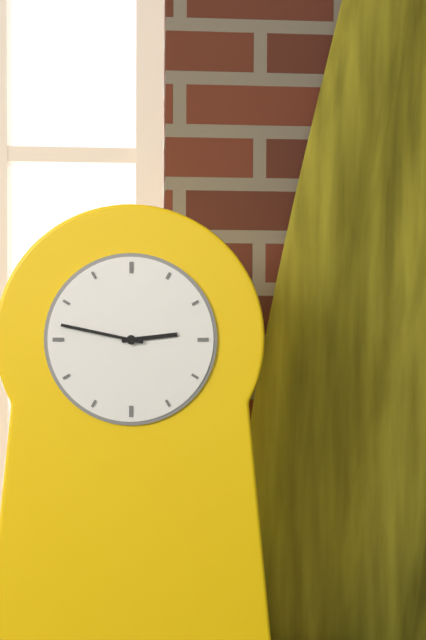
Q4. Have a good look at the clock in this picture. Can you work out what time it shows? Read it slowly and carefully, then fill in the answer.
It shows 2:47
